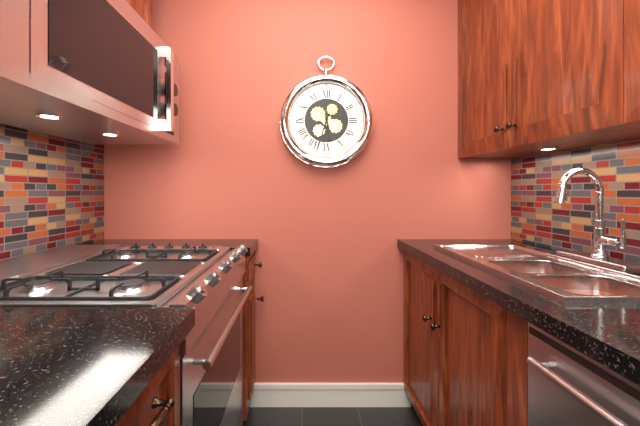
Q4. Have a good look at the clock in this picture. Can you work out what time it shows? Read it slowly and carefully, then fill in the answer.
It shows 5:33
